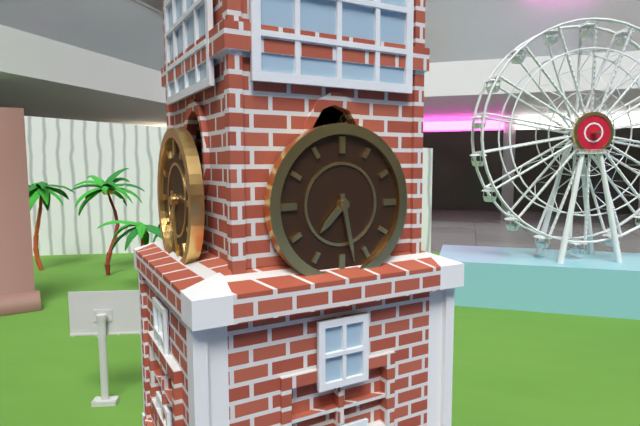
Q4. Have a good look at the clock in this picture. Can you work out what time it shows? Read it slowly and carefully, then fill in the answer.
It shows 7:28
